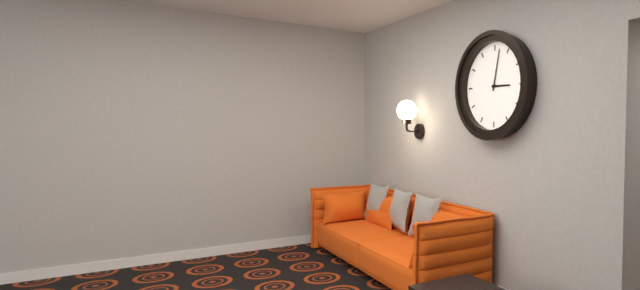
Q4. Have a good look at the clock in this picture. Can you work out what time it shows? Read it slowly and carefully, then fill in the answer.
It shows 3:02
